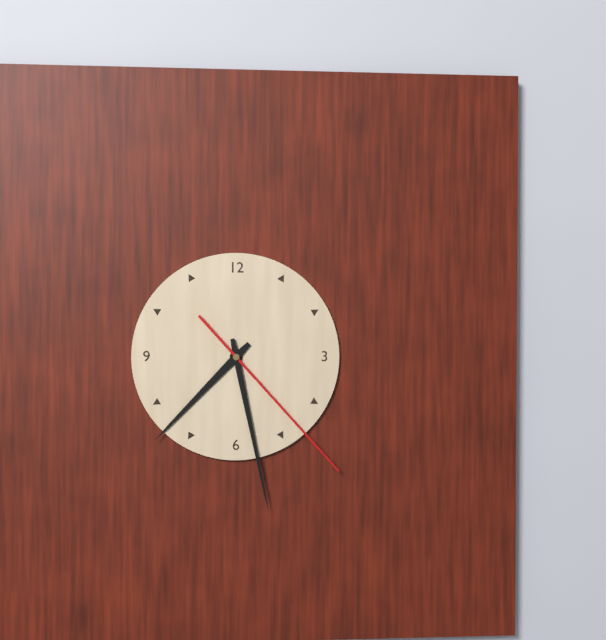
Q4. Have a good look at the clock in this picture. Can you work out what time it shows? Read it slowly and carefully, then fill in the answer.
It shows 7:28:23
